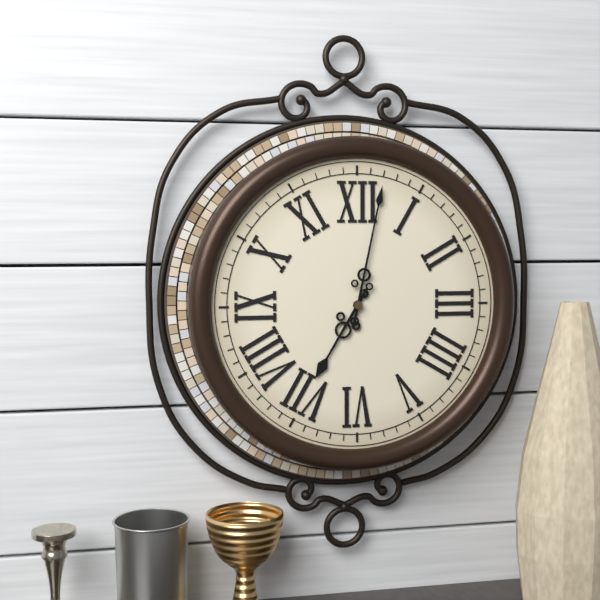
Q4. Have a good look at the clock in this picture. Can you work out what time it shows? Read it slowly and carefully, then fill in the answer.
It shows 7:02
